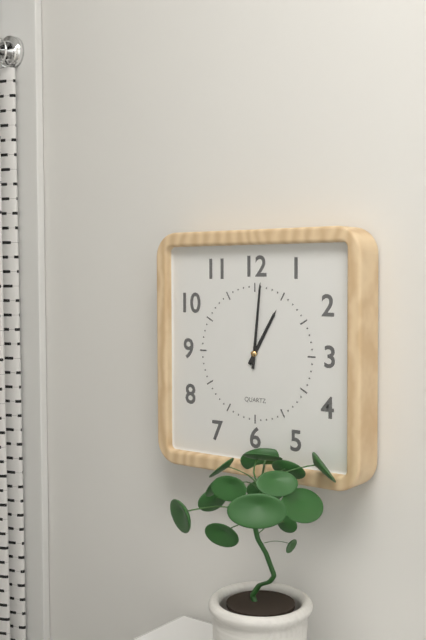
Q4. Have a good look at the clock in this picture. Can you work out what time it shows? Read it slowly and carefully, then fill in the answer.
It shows 1:01
